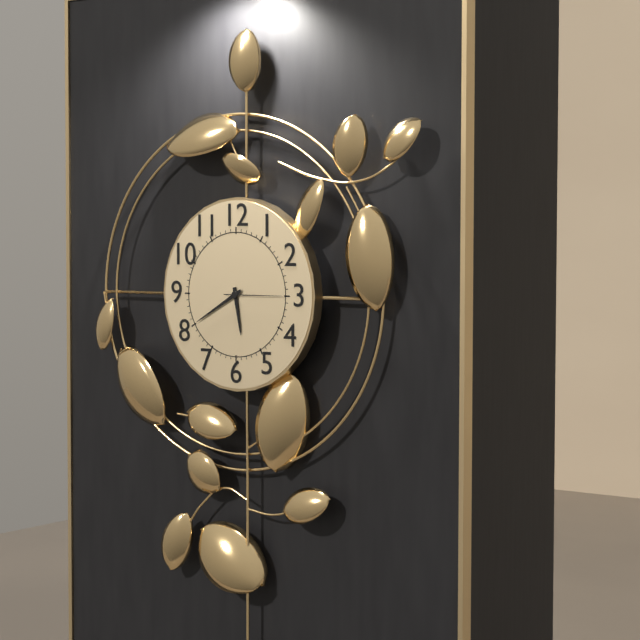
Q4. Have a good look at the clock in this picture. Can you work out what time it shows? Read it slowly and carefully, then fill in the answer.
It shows 5:40:15
